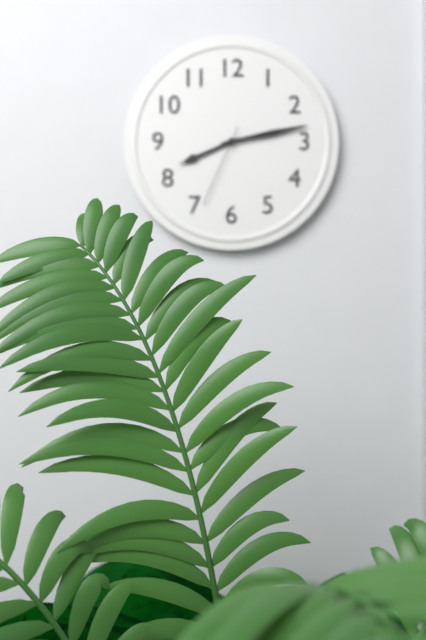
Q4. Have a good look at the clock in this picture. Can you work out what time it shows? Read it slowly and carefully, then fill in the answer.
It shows 8:13:34
